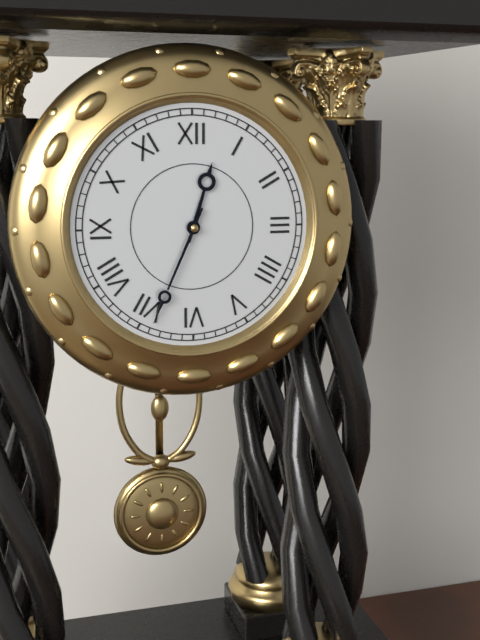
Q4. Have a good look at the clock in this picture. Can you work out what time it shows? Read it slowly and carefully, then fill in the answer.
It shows 12:34
